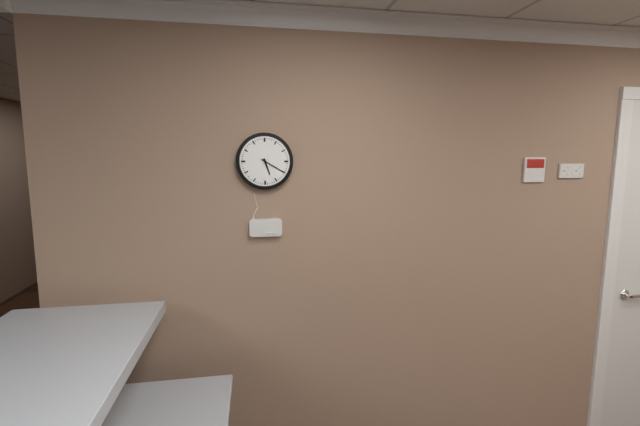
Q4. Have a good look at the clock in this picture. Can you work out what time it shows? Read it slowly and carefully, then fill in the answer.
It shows 5:20
